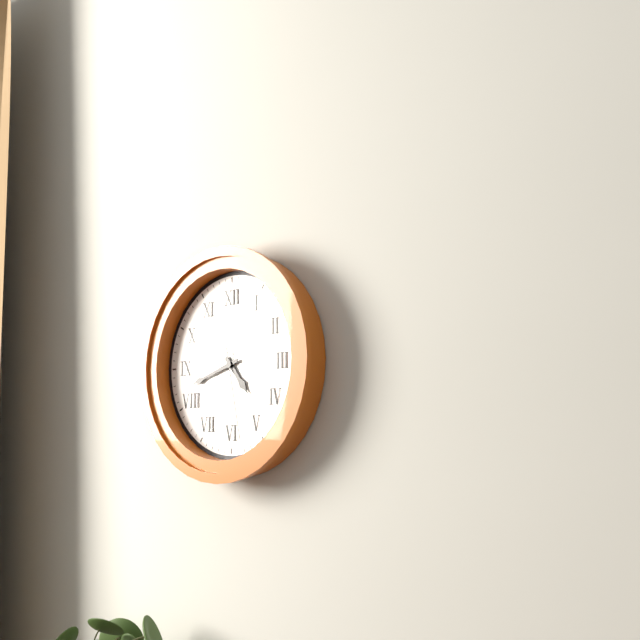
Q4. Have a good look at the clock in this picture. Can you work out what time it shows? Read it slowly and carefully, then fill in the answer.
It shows 4:42:28
